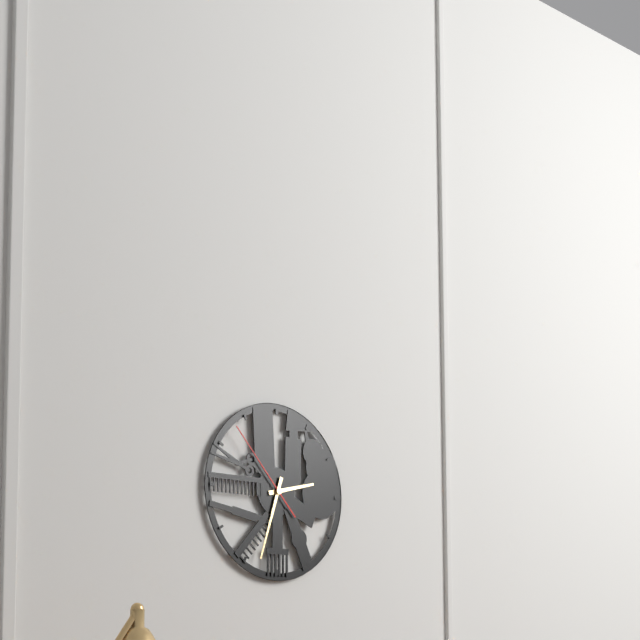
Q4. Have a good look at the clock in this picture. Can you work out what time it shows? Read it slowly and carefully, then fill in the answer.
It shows 2:33:53
